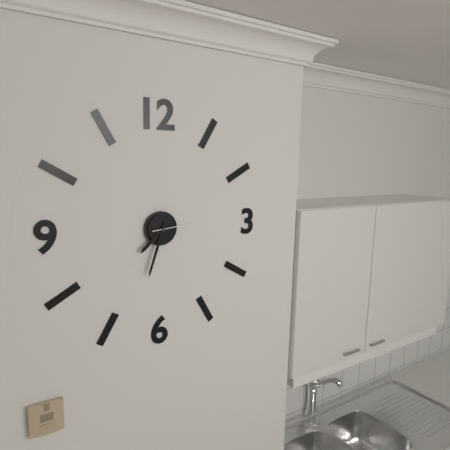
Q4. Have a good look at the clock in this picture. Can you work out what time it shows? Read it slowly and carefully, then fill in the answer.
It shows 7:33
